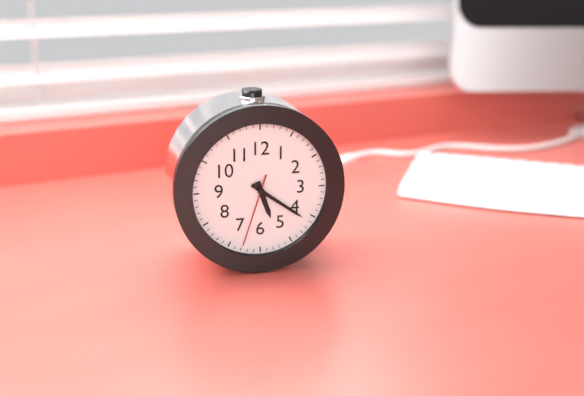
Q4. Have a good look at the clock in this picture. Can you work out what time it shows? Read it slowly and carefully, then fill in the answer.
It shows 5:21:33
